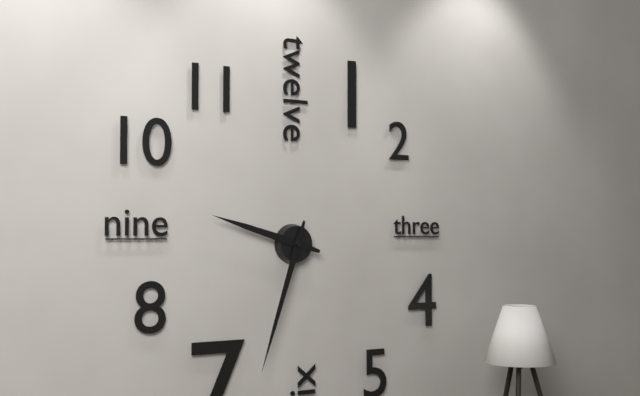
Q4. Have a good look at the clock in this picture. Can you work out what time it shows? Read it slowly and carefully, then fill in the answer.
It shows 9:33
